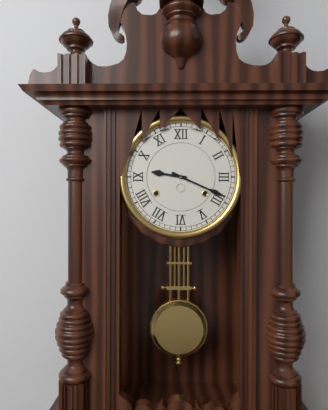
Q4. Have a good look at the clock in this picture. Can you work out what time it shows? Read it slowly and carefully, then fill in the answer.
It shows 9:19
